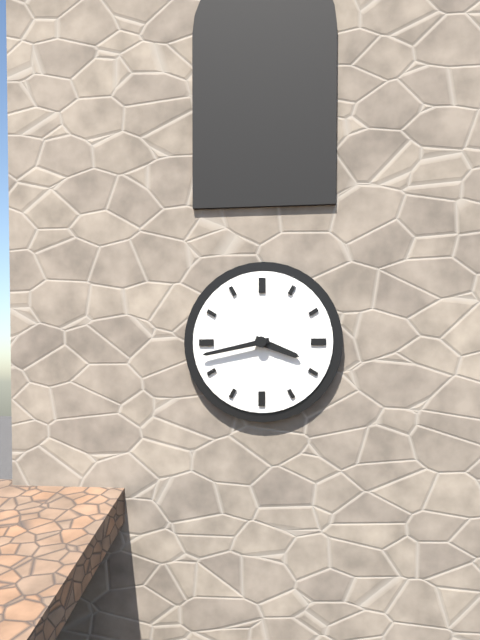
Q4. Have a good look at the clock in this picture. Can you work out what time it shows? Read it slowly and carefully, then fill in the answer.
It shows 3:43
